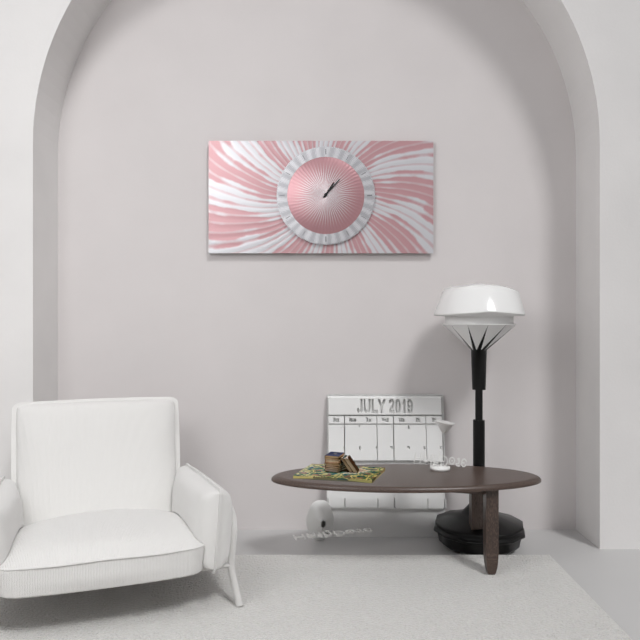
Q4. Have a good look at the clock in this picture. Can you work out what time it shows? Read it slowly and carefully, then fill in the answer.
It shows 1:07
